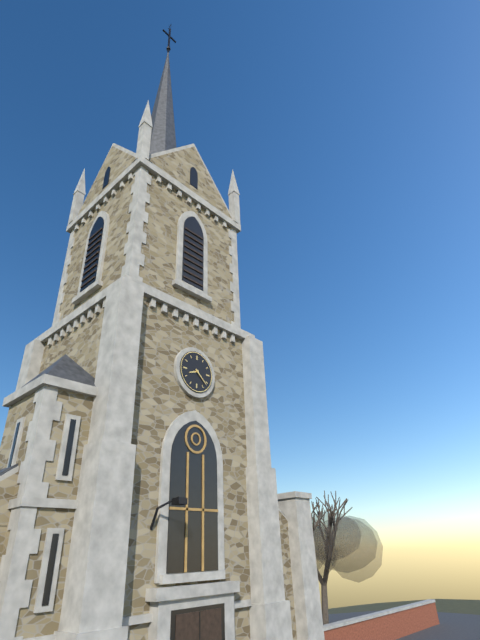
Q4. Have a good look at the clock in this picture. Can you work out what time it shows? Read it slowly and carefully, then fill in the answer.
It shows 8:22
